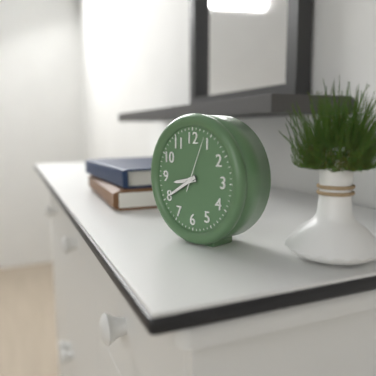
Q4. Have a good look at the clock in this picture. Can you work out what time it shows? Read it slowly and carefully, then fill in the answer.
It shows 8:40:04
